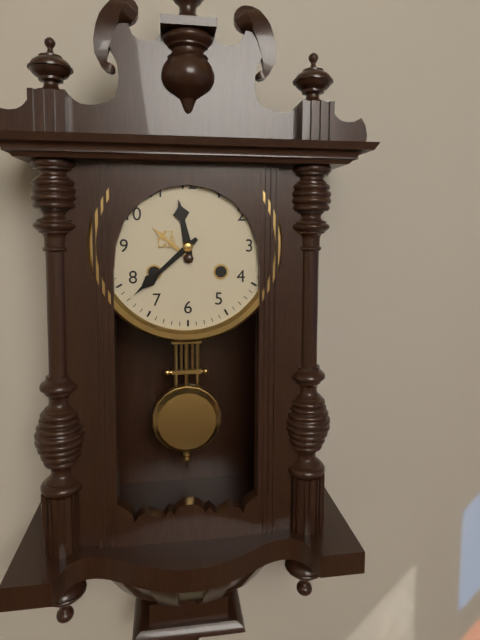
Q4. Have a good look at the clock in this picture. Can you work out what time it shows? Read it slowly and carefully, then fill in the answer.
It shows 11:38
